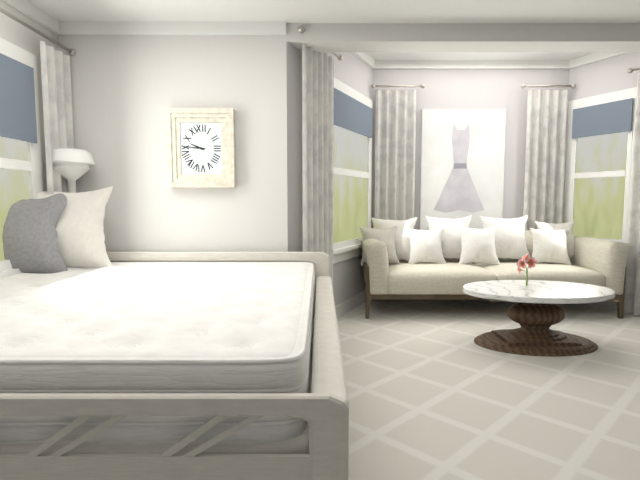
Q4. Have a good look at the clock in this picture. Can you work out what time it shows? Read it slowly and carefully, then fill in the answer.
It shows 9:46
